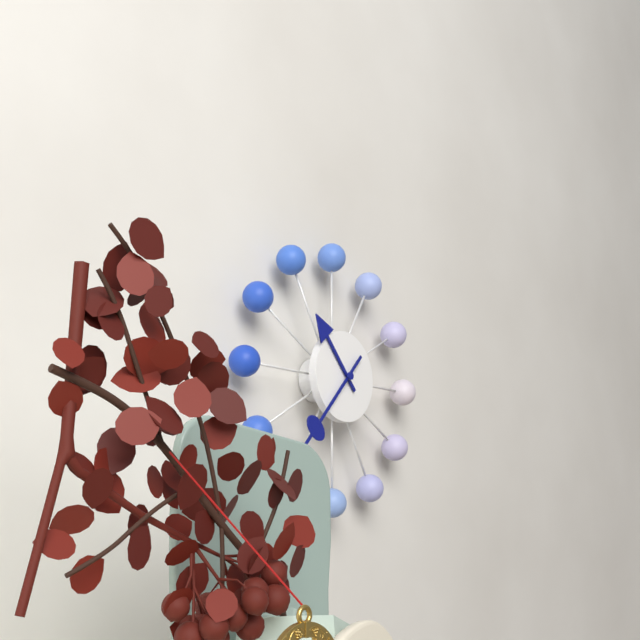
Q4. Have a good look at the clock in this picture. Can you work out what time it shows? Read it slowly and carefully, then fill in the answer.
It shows 10:37
